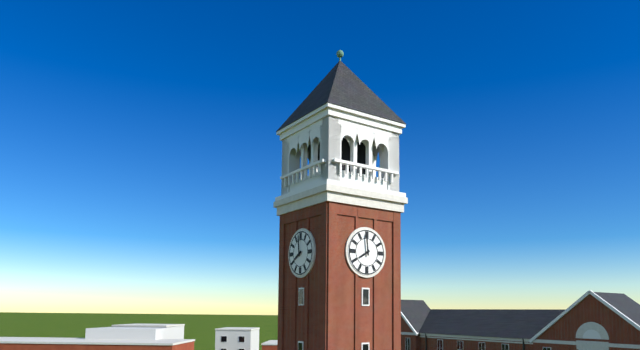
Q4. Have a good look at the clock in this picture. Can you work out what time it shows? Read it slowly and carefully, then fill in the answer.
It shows 7:59
